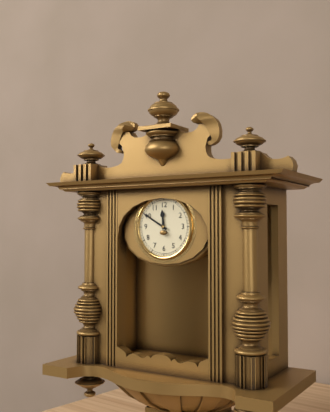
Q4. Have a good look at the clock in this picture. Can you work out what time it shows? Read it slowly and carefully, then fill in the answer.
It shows 11:50
